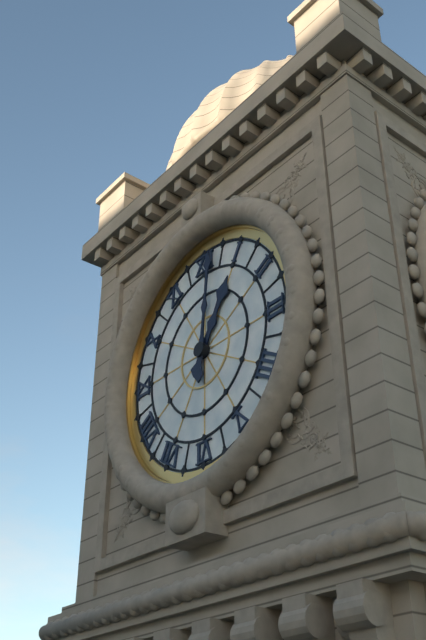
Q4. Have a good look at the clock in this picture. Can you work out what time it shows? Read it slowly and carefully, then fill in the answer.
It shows 1:01
